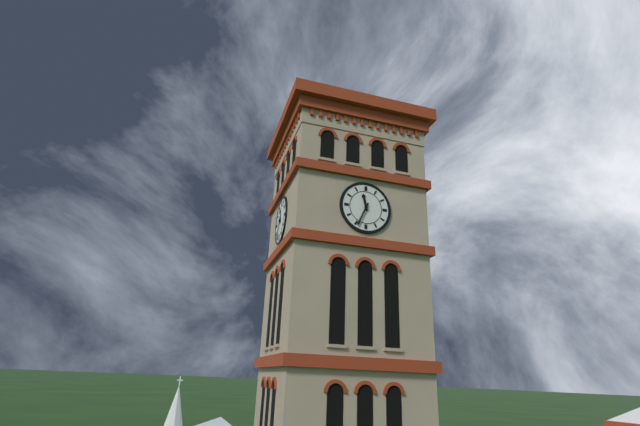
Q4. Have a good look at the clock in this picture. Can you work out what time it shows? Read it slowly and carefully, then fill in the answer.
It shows 11:34
